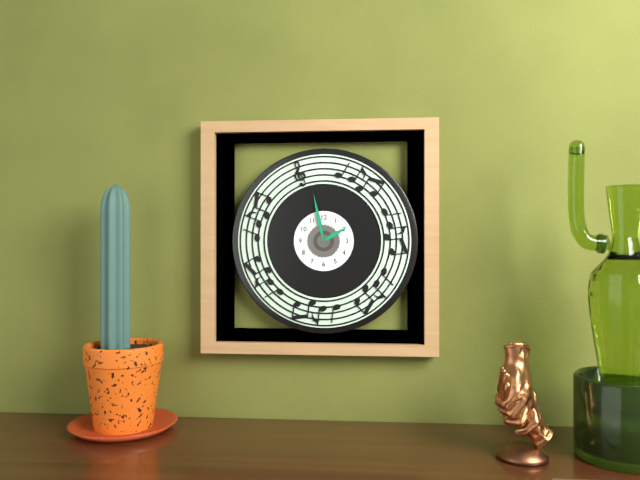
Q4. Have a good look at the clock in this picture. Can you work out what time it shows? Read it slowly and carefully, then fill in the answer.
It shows 1:58
